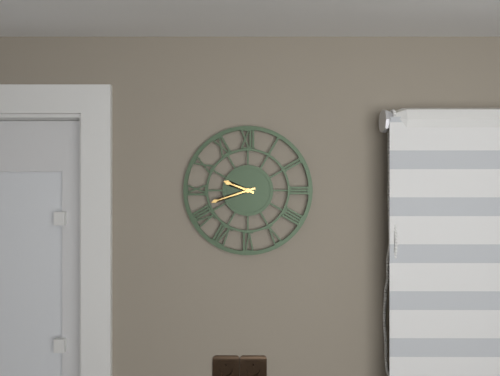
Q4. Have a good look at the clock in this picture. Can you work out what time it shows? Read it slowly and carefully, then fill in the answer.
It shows 9:42
